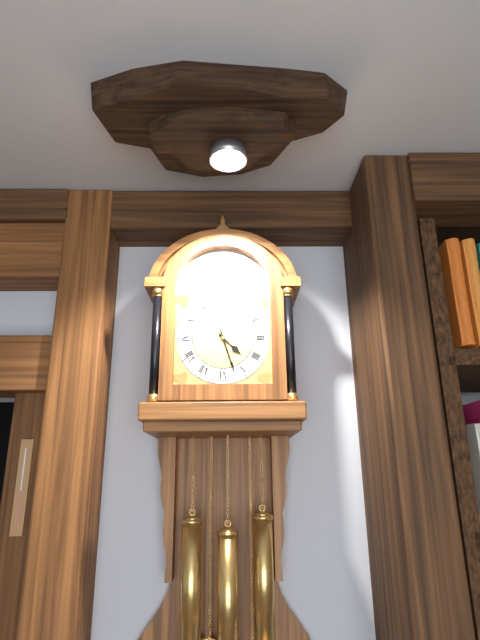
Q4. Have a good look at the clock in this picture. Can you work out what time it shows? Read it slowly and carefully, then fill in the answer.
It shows 4:27
